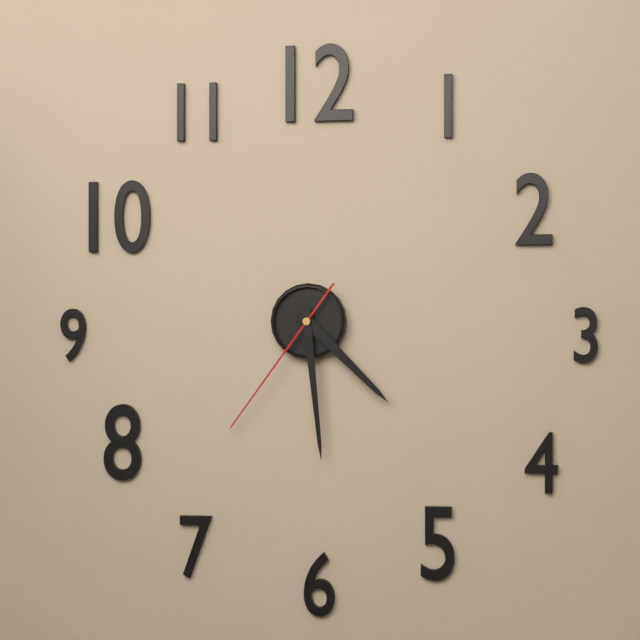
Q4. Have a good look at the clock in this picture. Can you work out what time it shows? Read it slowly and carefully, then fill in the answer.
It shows 4:29:36
